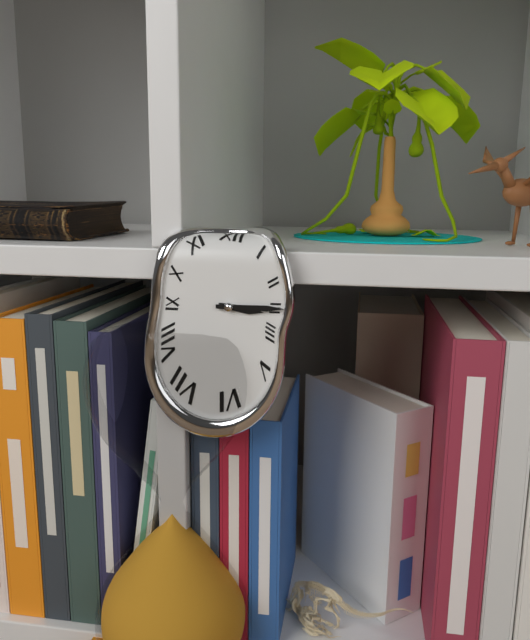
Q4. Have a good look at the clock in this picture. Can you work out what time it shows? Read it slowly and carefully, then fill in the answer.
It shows 3:15
